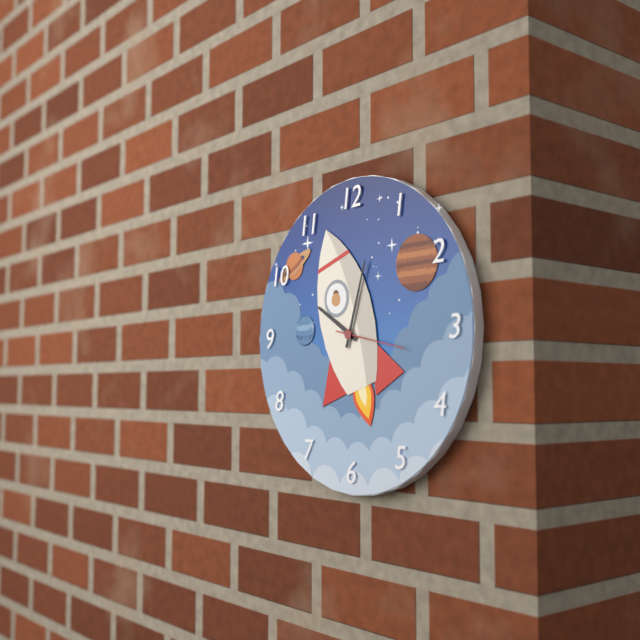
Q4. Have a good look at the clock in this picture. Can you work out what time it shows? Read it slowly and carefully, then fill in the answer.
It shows 10:03:17
